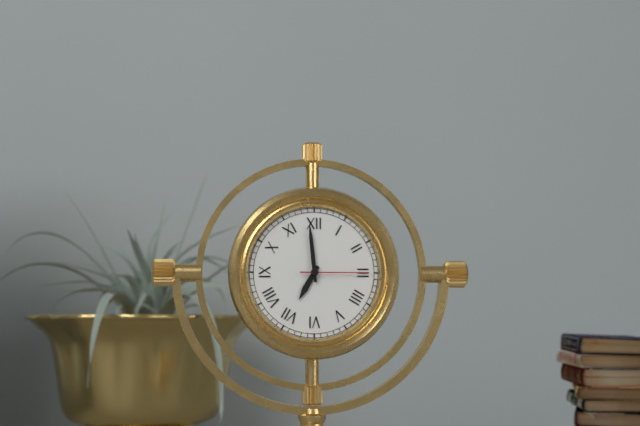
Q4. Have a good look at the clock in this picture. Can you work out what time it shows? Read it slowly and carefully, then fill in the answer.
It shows 6:59:15
